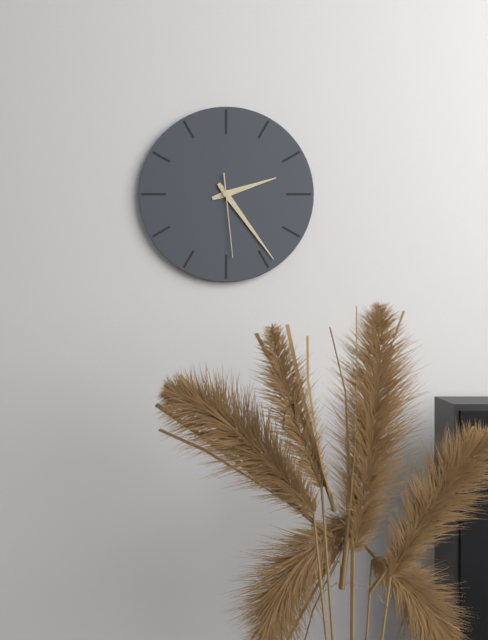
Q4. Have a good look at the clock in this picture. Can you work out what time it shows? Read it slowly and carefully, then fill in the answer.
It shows 2:24:29
